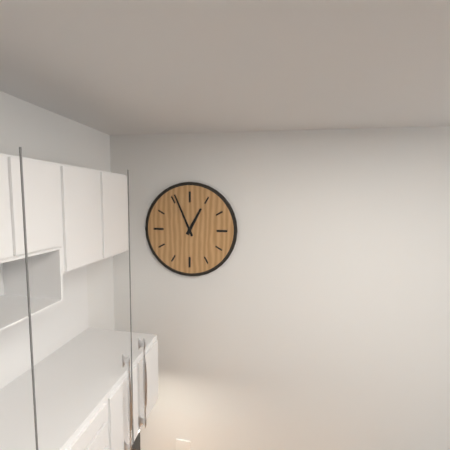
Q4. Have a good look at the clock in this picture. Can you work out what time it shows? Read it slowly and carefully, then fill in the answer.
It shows 12:56
